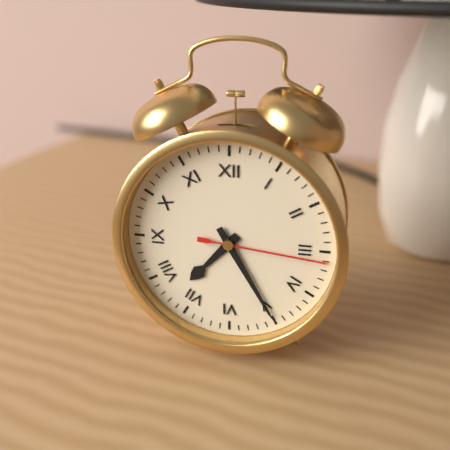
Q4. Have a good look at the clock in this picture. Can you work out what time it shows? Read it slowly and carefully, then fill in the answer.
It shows 7:25:16
